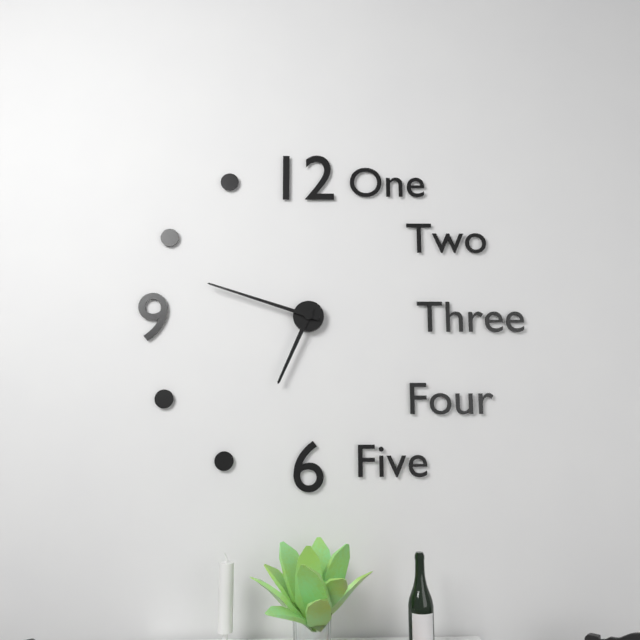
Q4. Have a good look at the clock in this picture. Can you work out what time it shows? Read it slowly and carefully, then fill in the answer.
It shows 6:48
